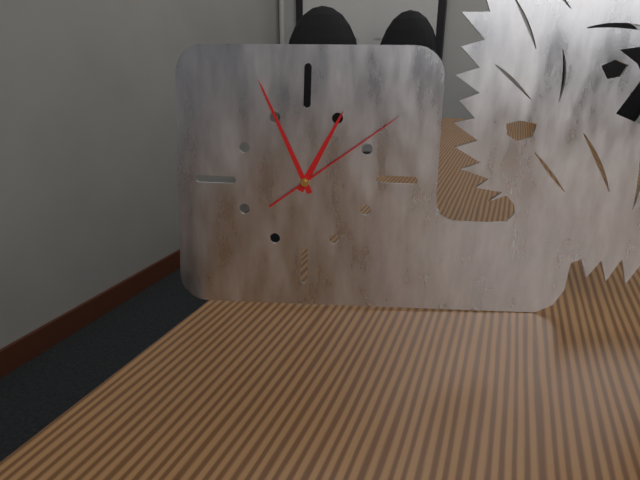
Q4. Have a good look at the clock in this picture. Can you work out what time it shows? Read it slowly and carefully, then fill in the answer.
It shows 12:56:09
